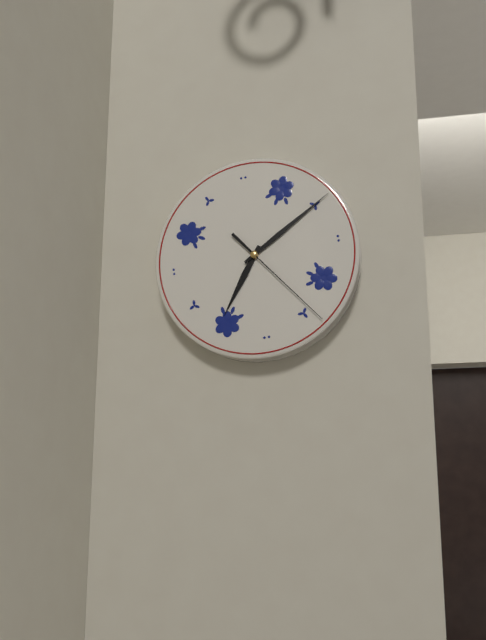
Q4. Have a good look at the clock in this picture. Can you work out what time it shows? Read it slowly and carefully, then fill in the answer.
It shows 7:10:24
